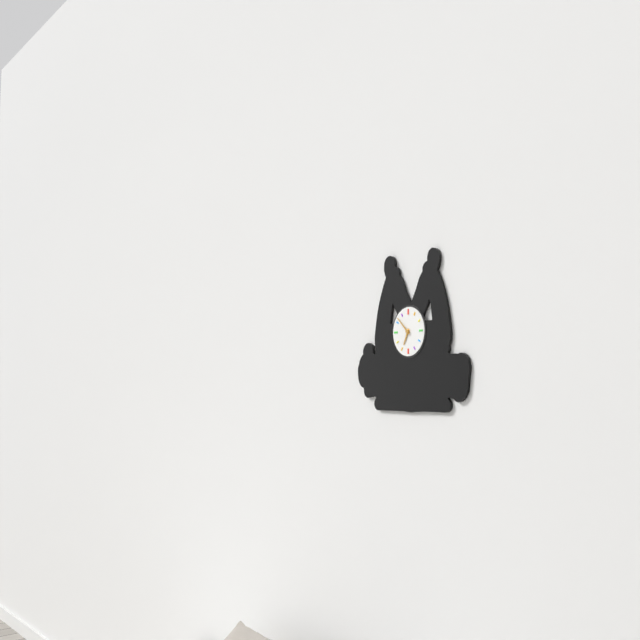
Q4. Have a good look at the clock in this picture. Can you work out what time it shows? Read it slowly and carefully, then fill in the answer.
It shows 6:52
